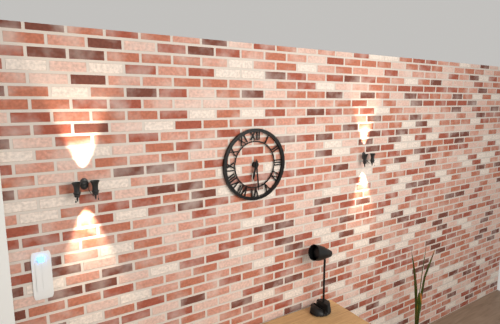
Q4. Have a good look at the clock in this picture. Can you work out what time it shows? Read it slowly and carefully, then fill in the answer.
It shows 6:29
